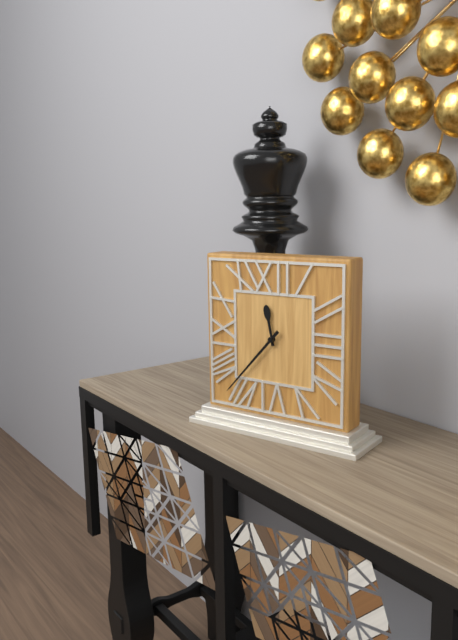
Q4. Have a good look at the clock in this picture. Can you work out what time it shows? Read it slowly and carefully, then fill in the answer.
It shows 11:37
